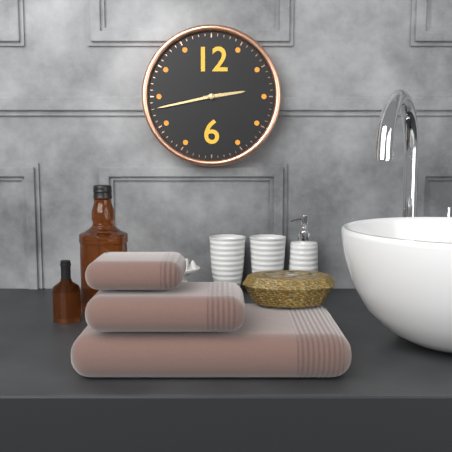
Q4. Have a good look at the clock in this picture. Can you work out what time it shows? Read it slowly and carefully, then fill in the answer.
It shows 2:43
